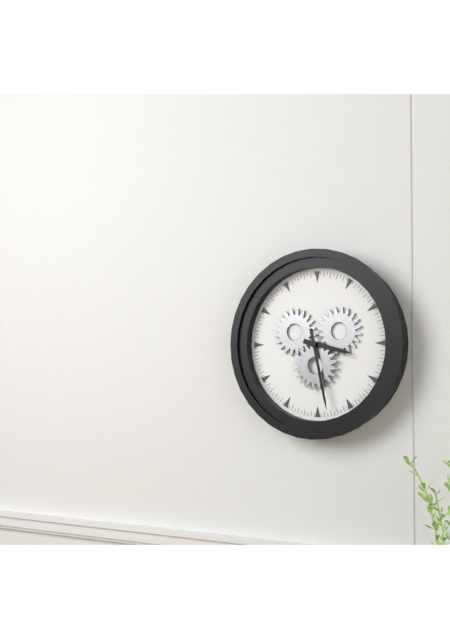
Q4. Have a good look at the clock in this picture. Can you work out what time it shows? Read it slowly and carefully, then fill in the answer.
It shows 3:28
